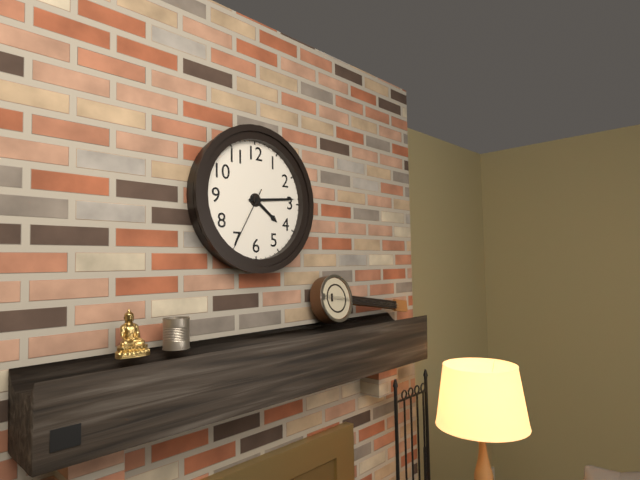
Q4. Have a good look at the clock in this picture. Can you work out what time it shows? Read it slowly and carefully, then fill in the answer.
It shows 4:14:35
